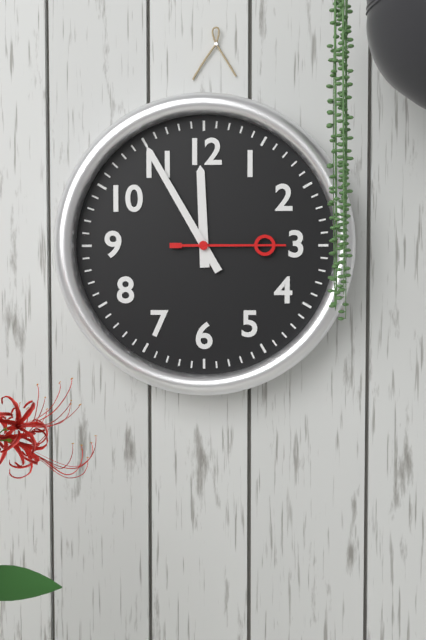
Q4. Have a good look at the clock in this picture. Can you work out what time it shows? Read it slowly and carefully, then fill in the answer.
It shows 11:55:15
